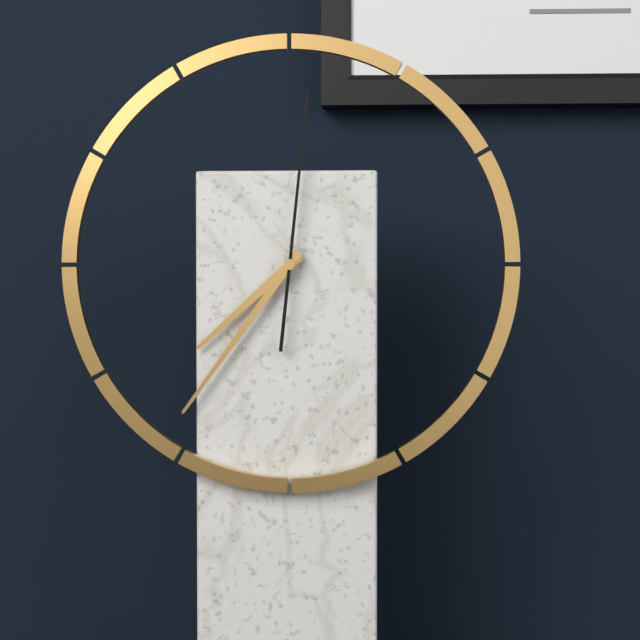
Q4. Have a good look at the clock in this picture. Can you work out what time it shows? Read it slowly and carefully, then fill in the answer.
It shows 7:36:01
